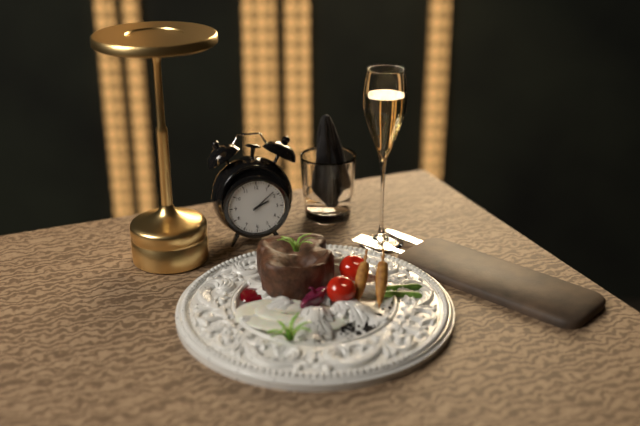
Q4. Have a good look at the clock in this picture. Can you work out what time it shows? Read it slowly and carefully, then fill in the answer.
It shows 2:08
